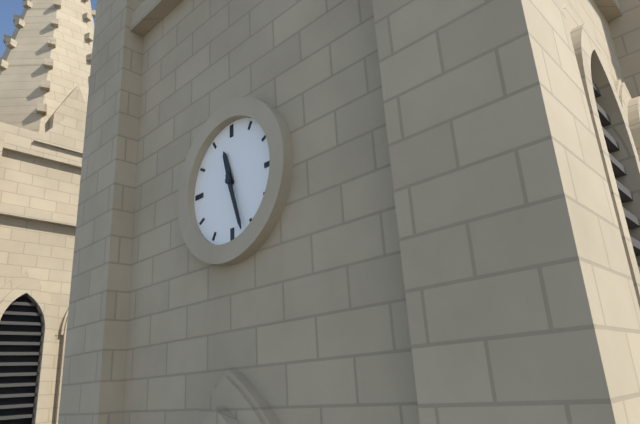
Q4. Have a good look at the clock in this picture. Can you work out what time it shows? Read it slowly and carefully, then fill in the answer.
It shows 11:27
